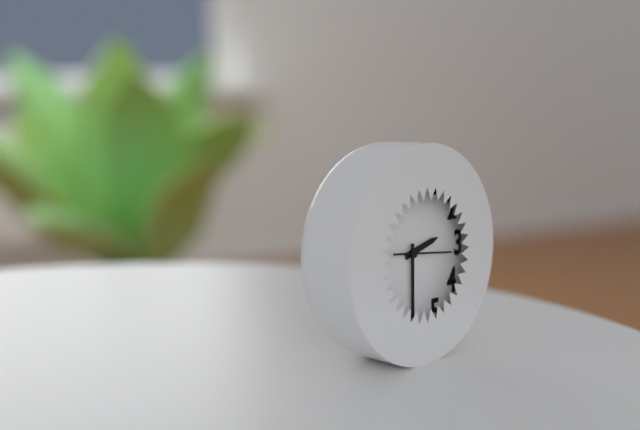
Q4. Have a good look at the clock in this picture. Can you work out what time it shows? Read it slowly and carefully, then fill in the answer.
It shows 2:30
